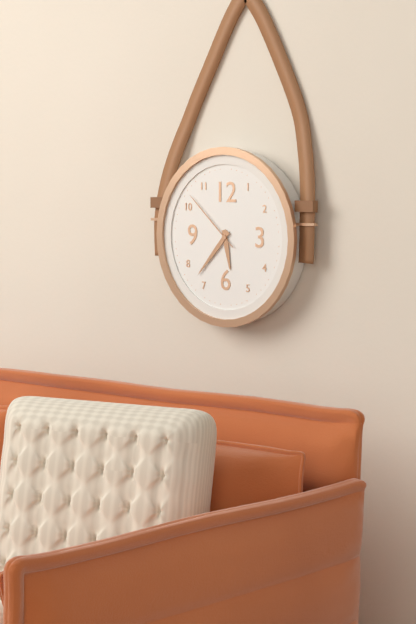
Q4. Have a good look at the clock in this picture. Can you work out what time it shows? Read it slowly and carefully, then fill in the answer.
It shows 5:37:52
